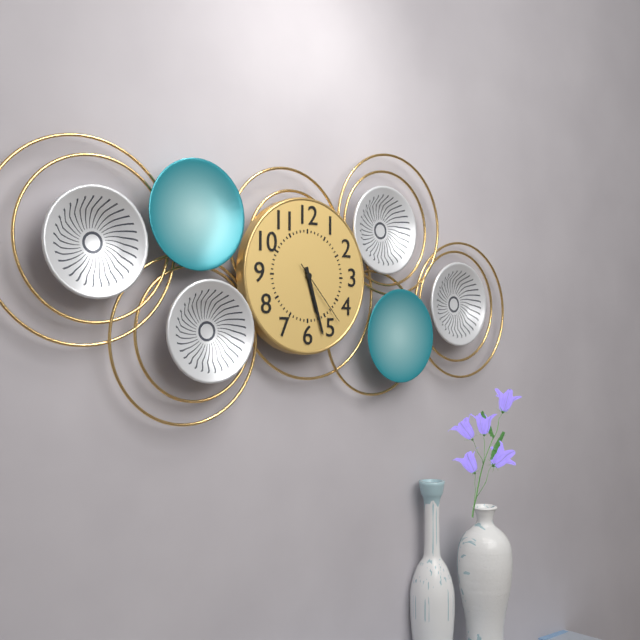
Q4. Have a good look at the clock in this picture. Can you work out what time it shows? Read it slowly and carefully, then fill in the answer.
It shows 5:27:23
